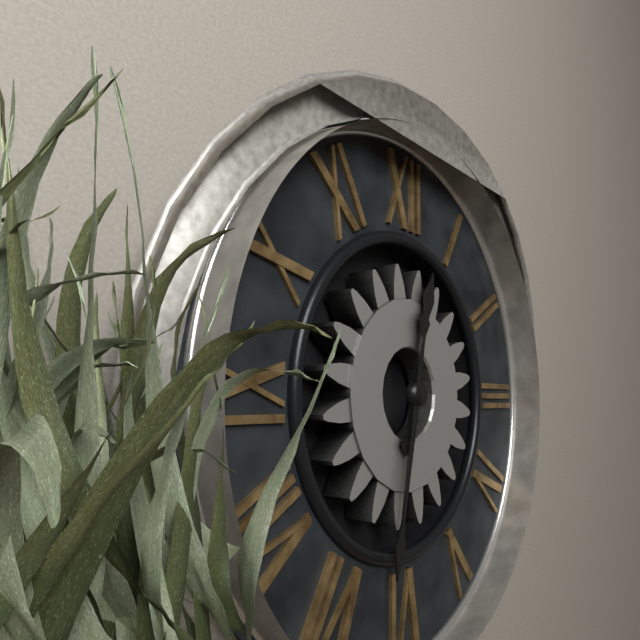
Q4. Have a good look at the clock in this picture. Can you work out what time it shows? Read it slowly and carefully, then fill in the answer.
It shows 12:32
